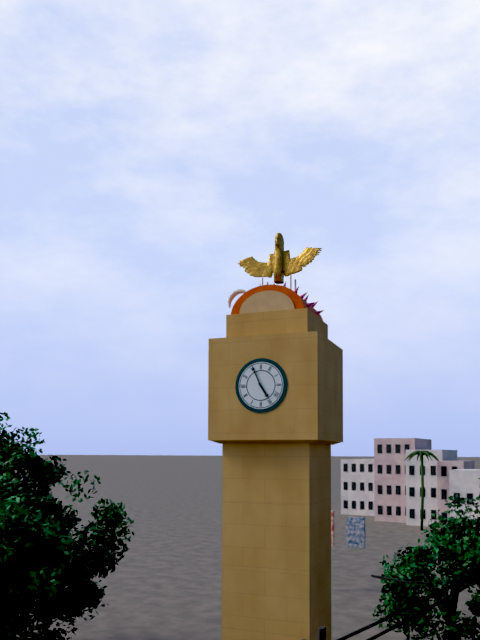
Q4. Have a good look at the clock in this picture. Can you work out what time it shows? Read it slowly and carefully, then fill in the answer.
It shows 4:56
